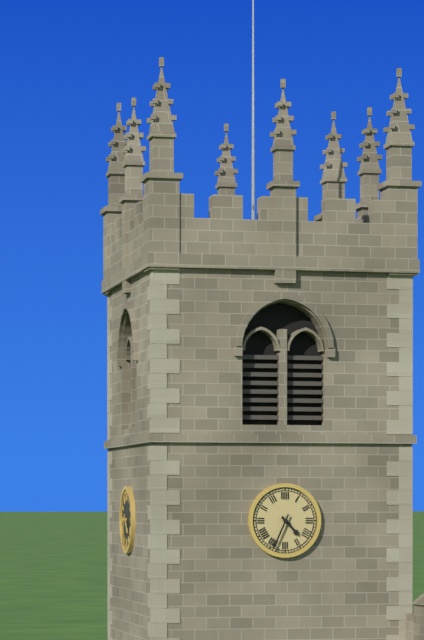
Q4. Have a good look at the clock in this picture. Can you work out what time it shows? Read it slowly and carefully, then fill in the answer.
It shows 4:34
